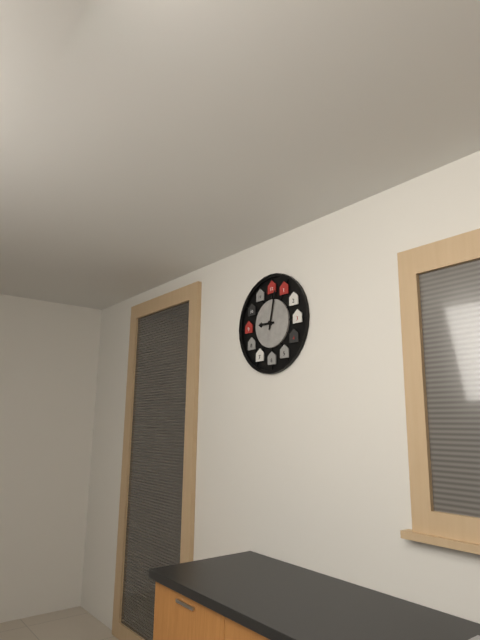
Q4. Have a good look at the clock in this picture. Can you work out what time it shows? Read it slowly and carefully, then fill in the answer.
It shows 9:02
